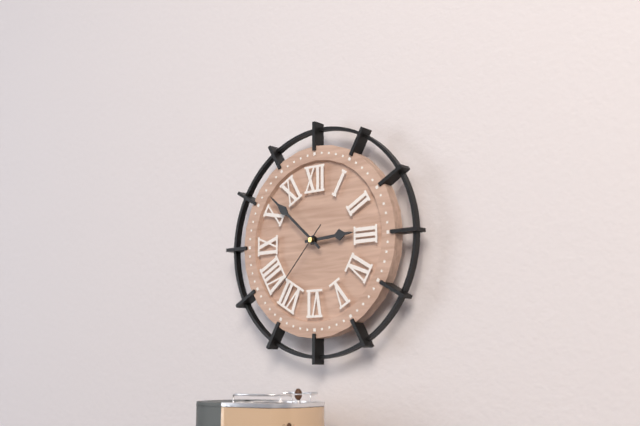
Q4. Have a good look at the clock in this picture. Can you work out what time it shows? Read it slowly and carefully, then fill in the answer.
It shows 2:52:37
